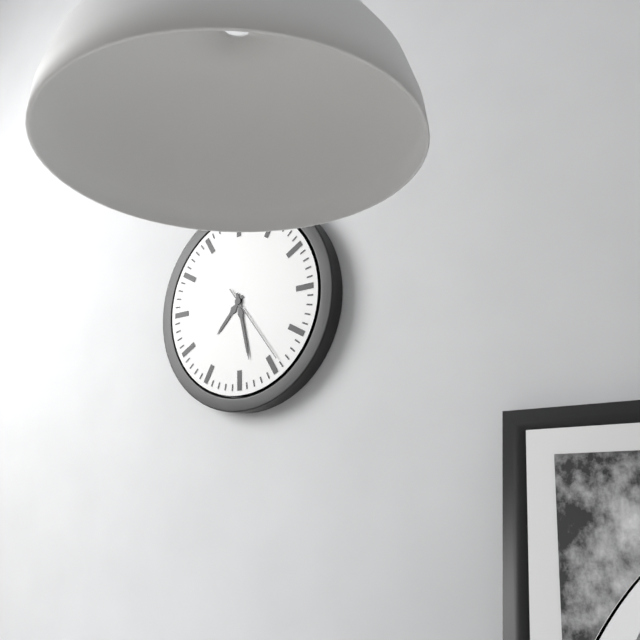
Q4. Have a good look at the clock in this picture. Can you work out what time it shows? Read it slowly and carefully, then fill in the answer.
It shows 7:28:24
